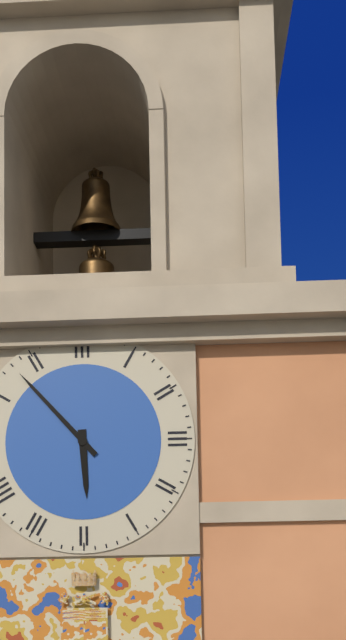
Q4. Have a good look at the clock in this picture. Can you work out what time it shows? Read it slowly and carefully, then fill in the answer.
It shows 5:53
